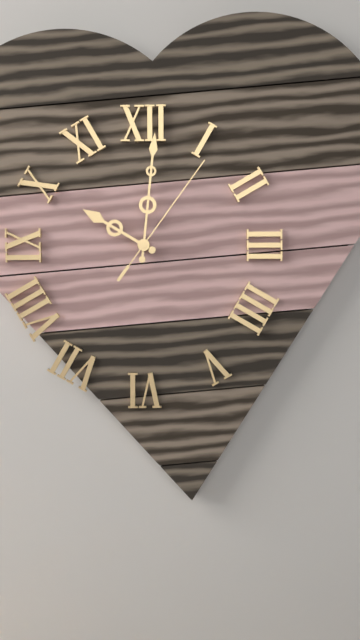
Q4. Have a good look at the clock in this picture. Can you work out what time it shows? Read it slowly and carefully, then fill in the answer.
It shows 10:01:06
